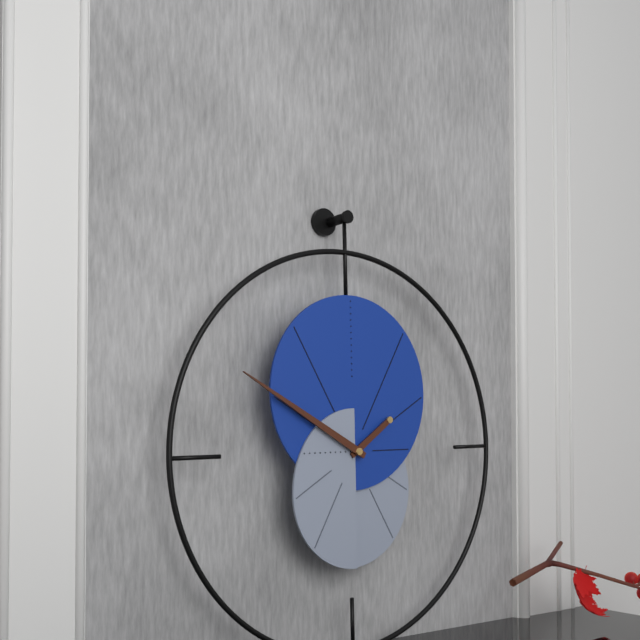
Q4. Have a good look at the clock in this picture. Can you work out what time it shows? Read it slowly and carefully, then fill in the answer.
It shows 1:50
